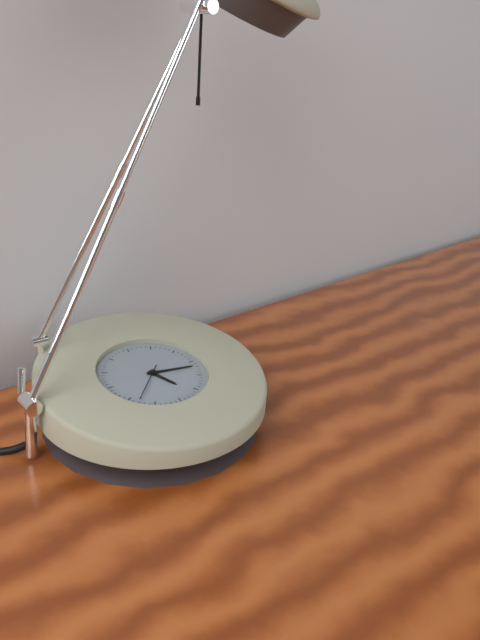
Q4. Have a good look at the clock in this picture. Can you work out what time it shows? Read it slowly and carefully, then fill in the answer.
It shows 5:17
